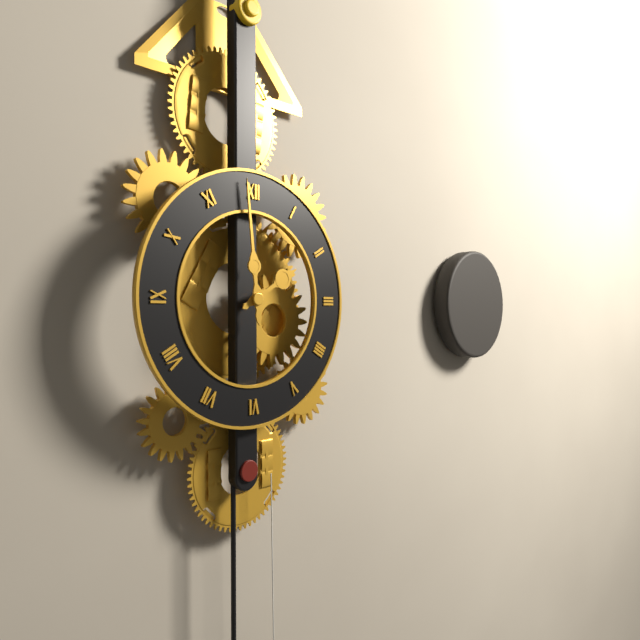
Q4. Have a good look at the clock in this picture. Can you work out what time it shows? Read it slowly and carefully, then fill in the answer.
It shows 1:59
